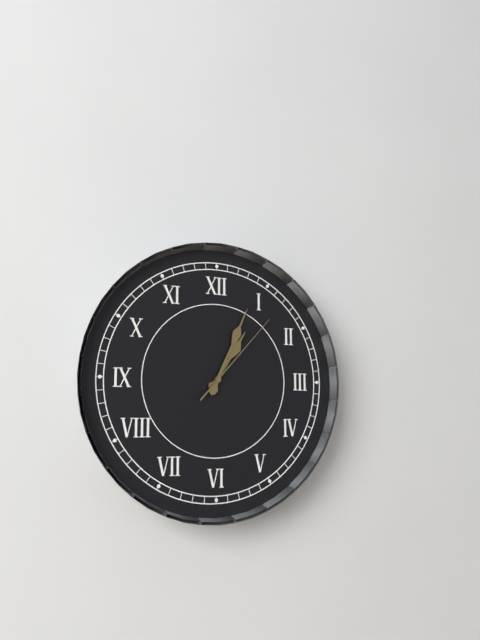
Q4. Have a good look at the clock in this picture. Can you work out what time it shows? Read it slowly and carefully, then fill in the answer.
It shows 1:04:07
